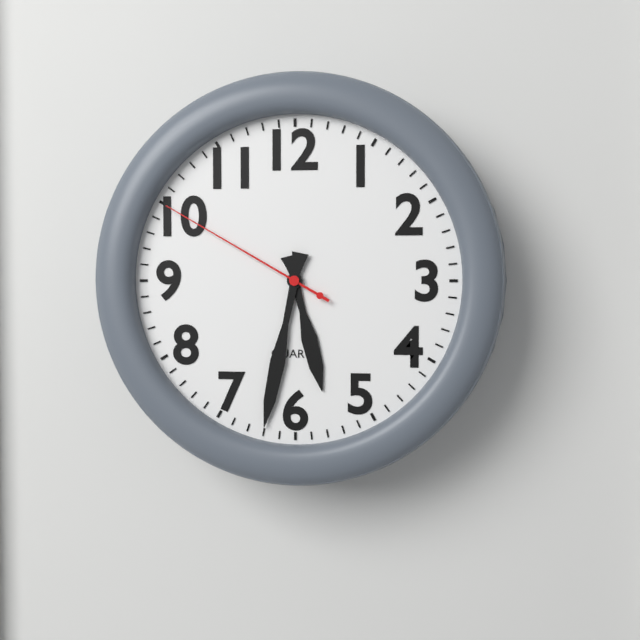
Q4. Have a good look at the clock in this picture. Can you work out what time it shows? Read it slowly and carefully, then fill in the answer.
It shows 5:32:50
